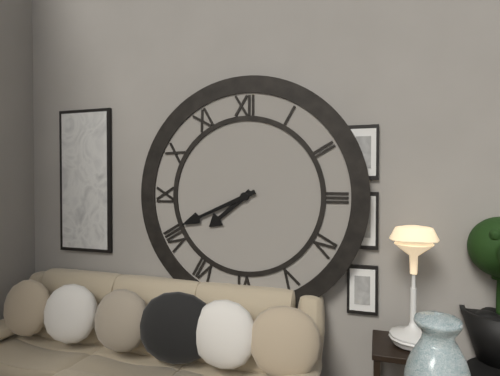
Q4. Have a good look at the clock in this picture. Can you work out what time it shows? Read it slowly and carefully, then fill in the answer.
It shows 7:41
